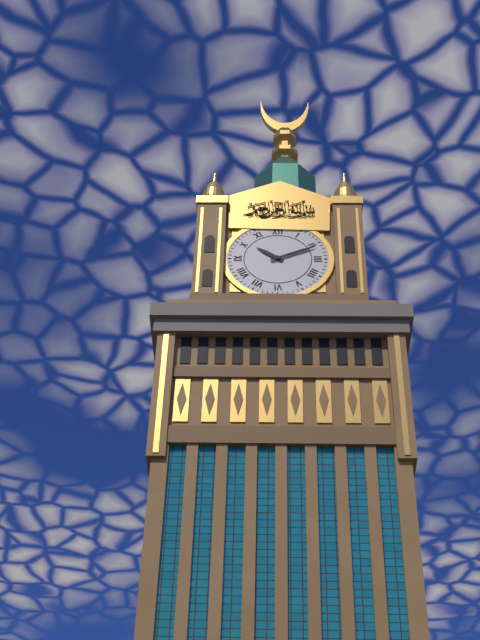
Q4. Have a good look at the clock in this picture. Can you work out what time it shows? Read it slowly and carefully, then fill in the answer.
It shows 10:11
